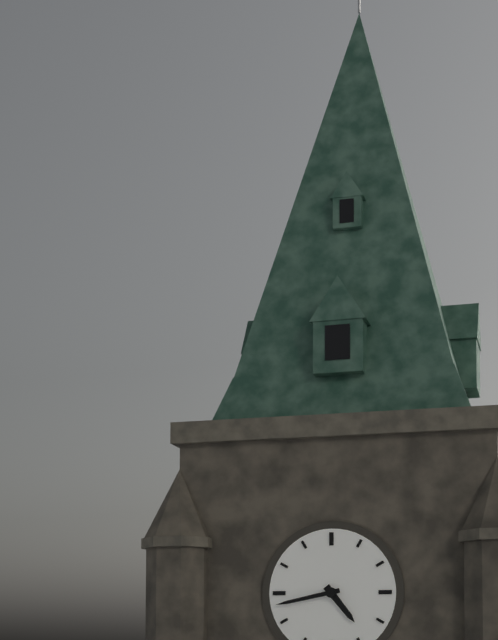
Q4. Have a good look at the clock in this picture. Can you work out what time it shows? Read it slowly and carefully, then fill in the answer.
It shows 4:43
